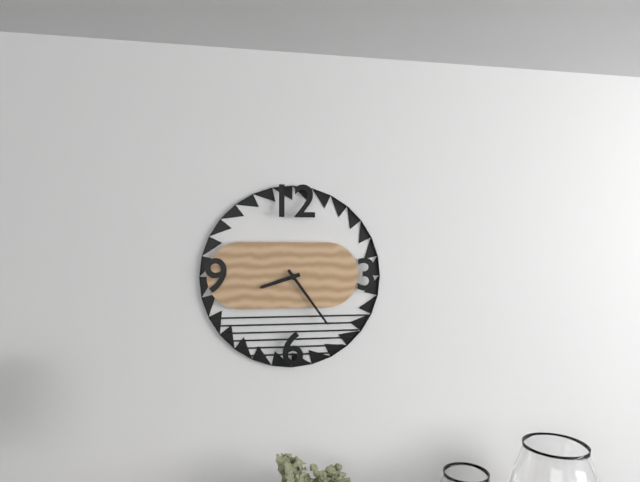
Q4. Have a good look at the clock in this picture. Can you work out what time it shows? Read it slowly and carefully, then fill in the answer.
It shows 8:24
